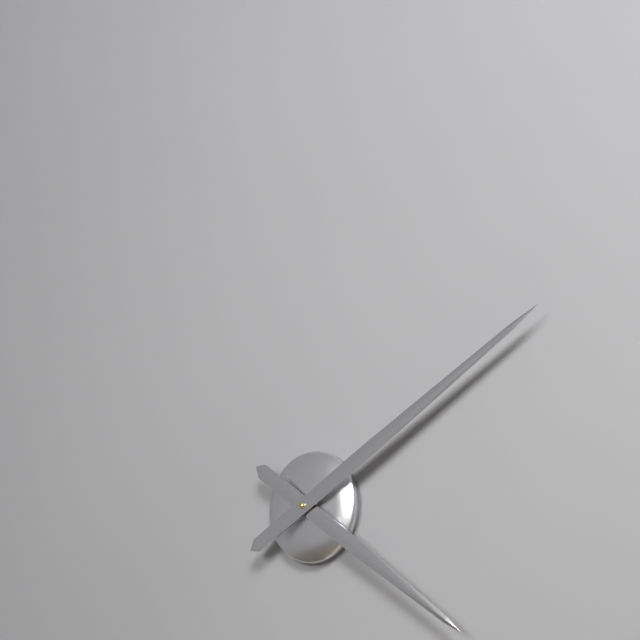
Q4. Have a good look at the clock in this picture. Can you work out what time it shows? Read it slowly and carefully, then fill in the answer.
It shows 4:10
